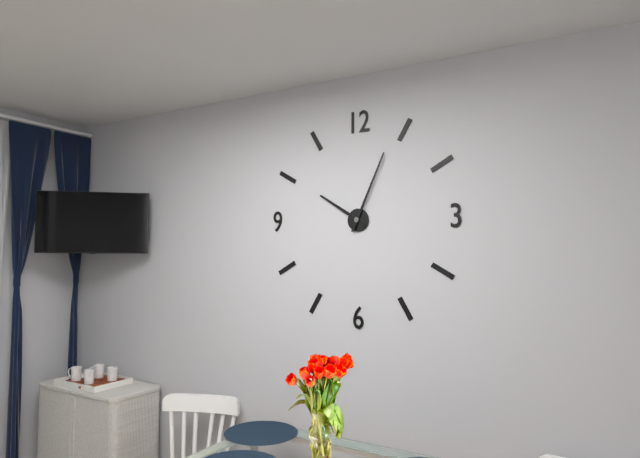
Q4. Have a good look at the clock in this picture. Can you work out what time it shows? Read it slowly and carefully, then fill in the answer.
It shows 10:04
